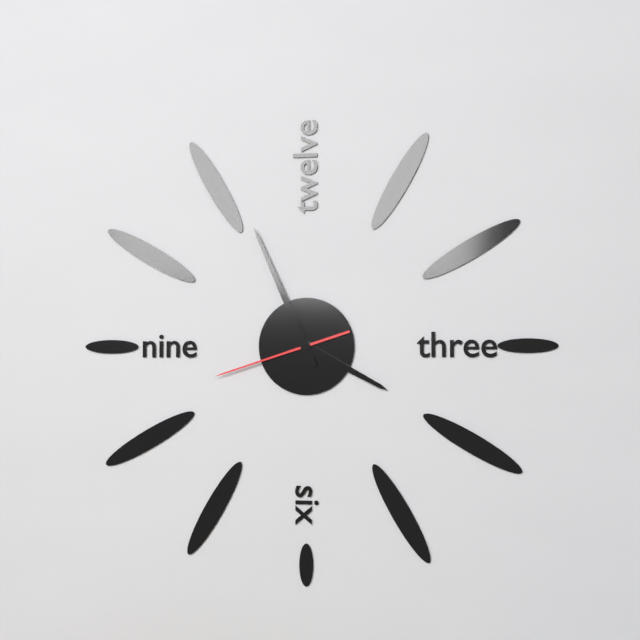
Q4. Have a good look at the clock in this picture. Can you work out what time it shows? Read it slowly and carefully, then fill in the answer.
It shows 3:56:42
